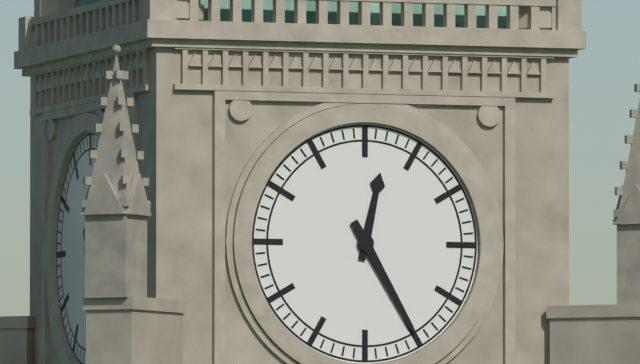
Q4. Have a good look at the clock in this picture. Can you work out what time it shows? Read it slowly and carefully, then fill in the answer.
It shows 12:25
